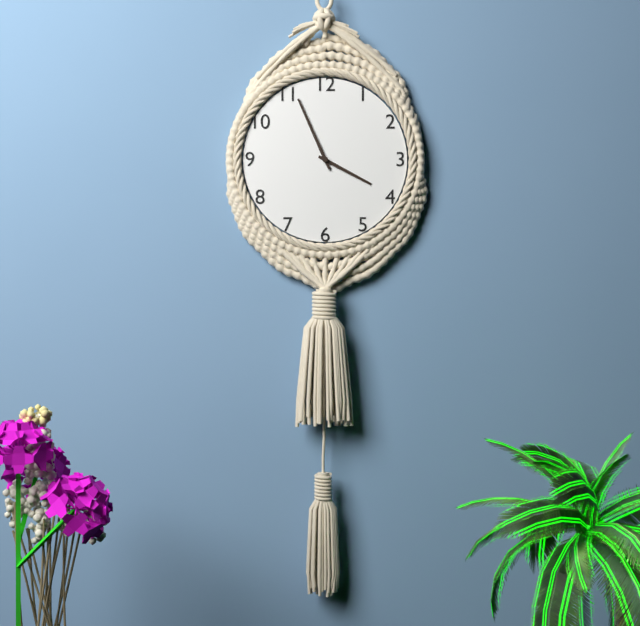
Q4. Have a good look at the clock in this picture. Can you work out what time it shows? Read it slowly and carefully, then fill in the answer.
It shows 3:56
